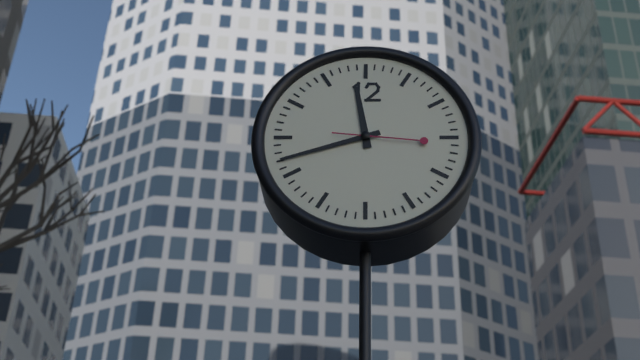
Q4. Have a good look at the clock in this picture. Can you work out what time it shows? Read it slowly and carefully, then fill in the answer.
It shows 11:42:16
